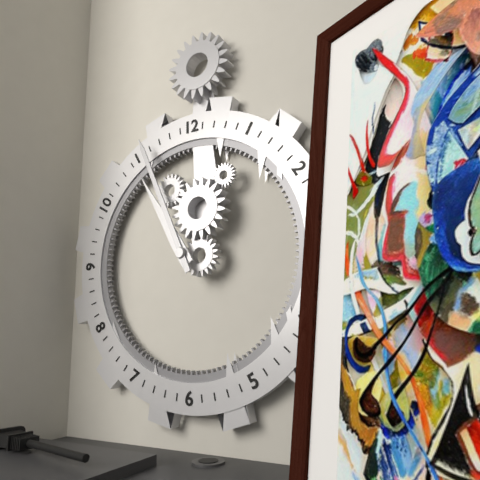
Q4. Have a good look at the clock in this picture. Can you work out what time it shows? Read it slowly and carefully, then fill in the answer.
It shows 10:56
